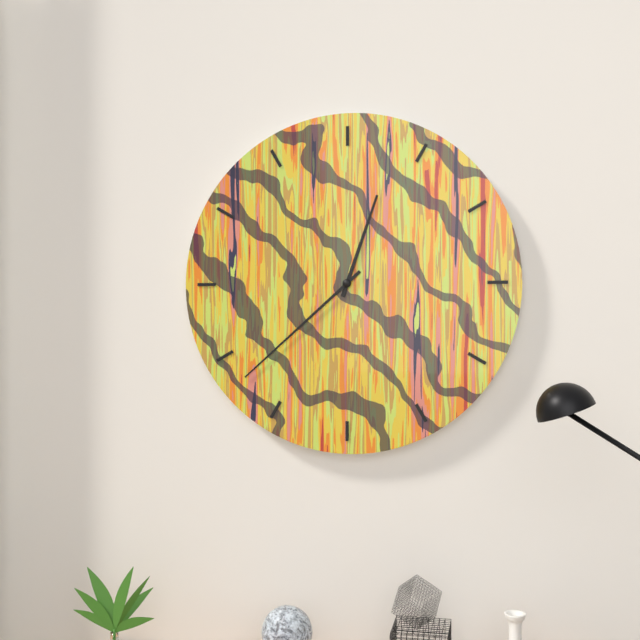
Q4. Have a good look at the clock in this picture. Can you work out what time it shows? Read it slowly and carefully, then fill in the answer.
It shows 12:38
